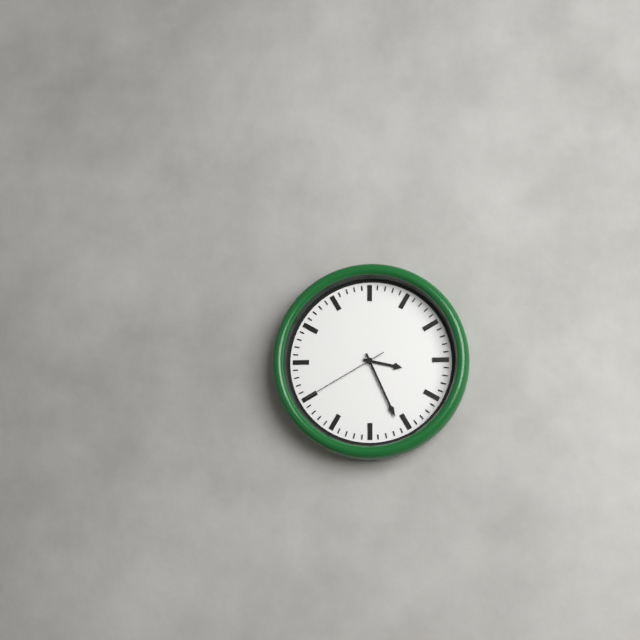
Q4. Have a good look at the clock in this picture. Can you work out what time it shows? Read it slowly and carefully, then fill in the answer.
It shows 3:26:40
